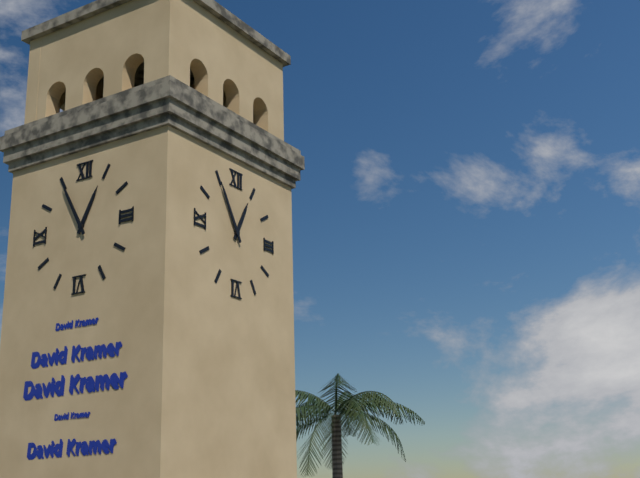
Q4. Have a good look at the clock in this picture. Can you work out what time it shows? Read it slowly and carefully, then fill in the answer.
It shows 12:55
